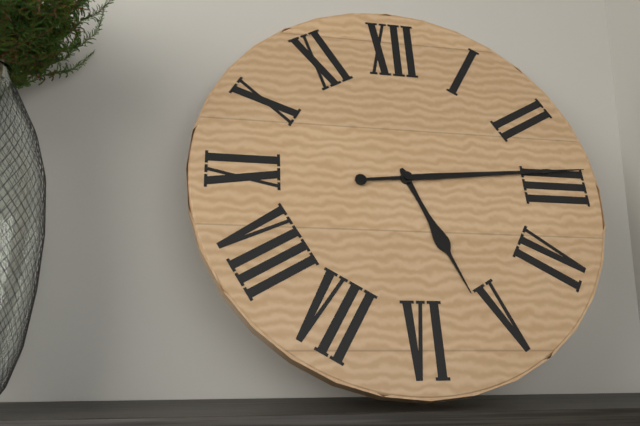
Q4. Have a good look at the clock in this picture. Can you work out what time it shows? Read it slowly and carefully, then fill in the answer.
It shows 5:14
